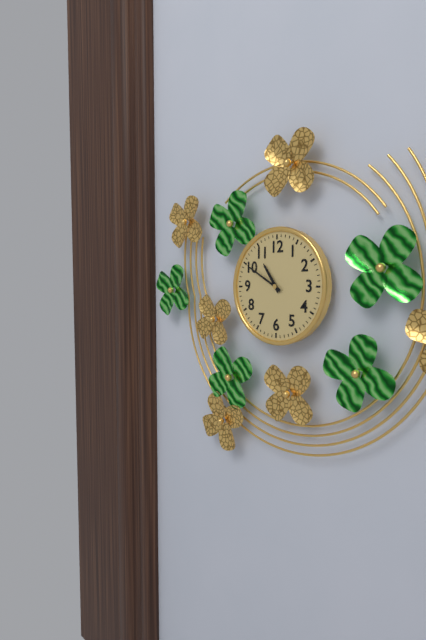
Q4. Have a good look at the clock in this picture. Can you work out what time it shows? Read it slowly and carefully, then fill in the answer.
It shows 10:50
